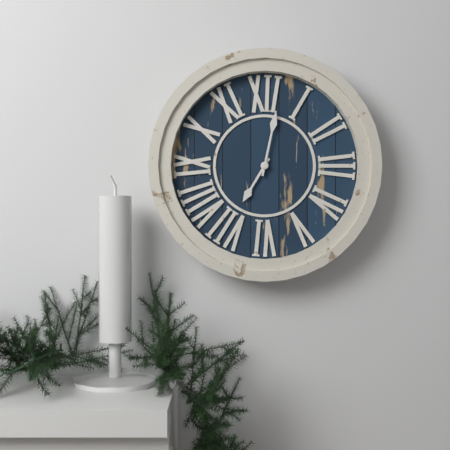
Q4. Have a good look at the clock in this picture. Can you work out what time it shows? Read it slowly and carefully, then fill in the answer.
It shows 7:02
